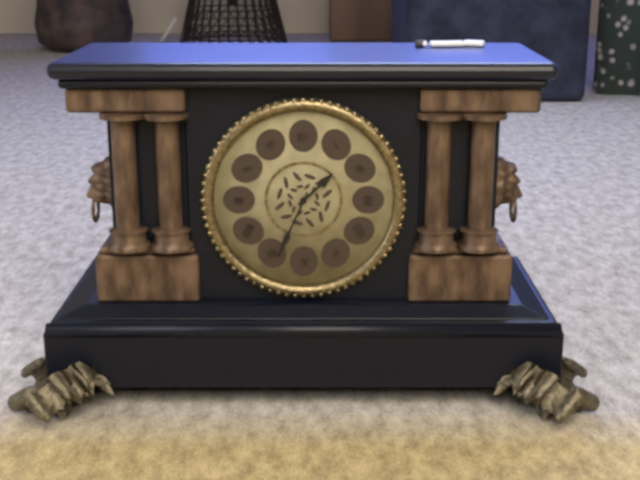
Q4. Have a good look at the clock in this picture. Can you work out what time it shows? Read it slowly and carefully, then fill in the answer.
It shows 1:34
